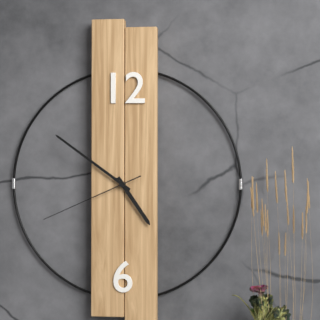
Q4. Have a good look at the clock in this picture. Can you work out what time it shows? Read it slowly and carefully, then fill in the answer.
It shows 4:51:41
